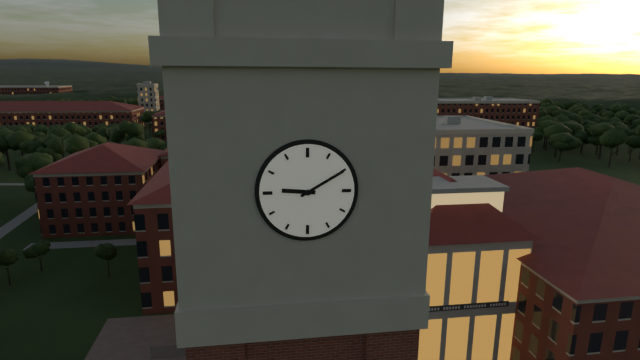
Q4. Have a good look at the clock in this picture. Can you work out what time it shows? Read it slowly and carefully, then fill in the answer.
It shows 9:10
